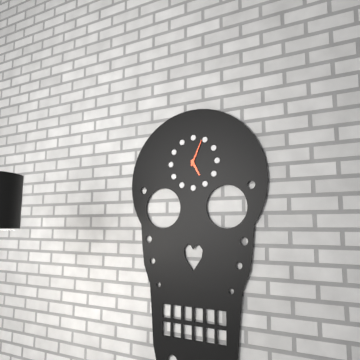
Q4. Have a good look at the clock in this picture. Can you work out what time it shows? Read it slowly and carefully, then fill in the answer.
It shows 5:04
